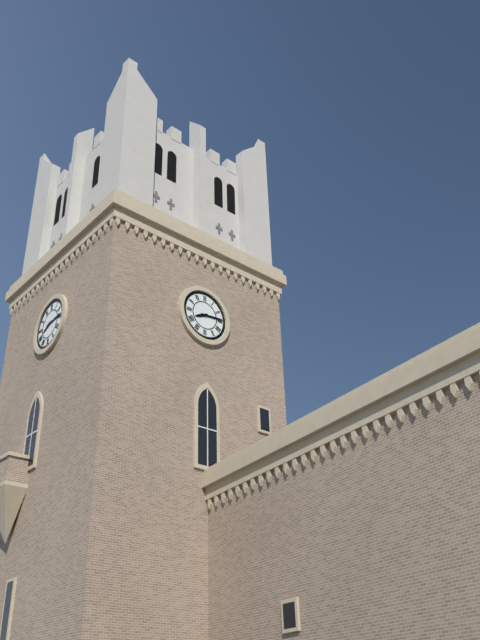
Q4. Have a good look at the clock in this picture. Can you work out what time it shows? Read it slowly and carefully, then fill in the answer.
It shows 8:14
